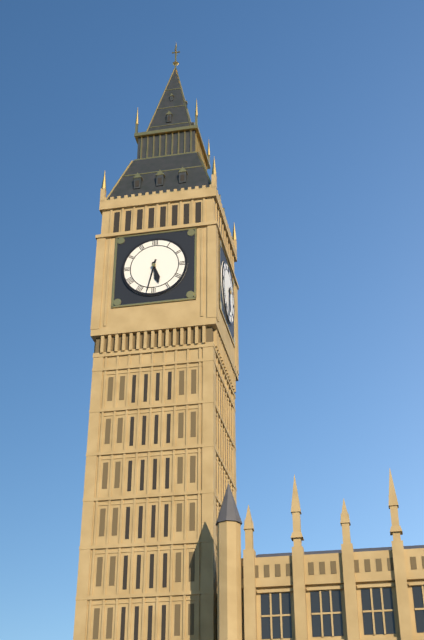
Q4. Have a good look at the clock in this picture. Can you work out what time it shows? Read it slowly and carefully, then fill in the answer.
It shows 5:32
